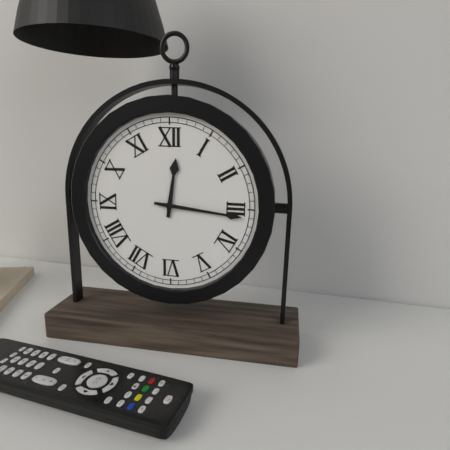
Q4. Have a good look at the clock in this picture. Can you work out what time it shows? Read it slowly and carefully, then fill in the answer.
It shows 12:16
